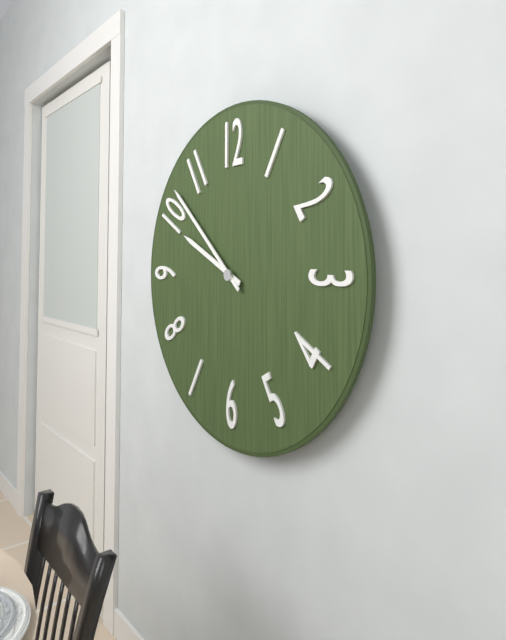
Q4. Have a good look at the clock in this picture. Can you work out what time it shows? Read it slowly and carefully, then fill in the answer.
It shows 9:52
